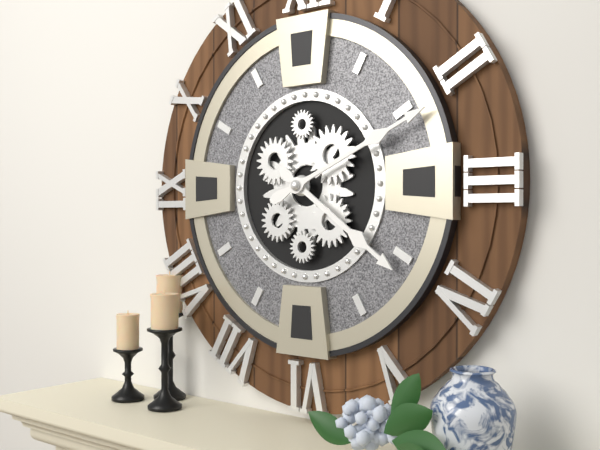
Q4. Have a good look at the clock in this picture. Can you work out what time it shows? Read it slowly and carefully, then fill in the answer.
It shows 4:11
